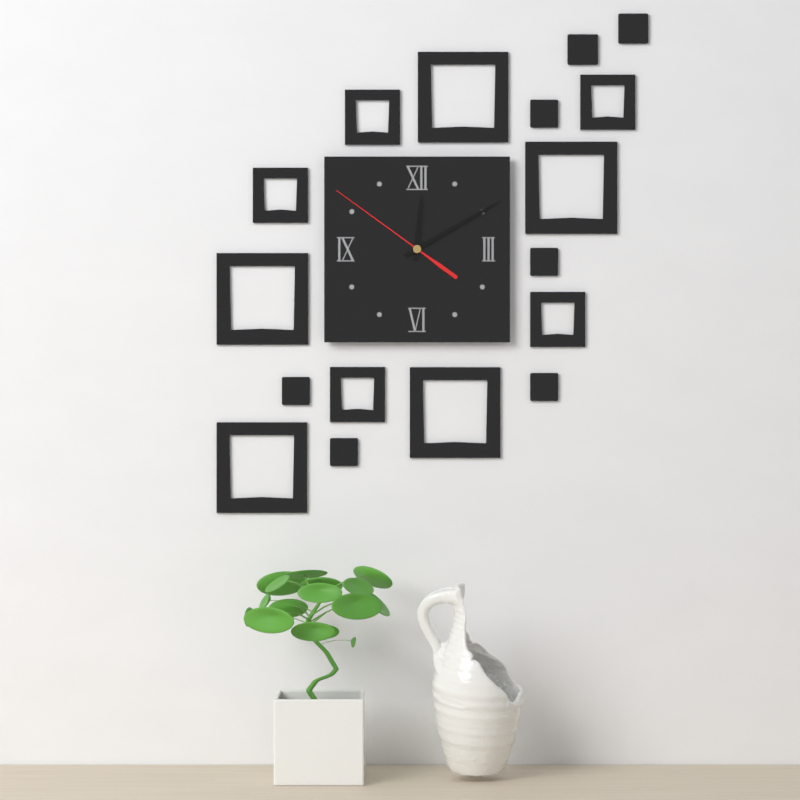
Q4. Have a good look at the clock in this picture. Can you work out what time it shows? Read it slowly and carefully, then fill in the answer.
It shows 12:10:51
